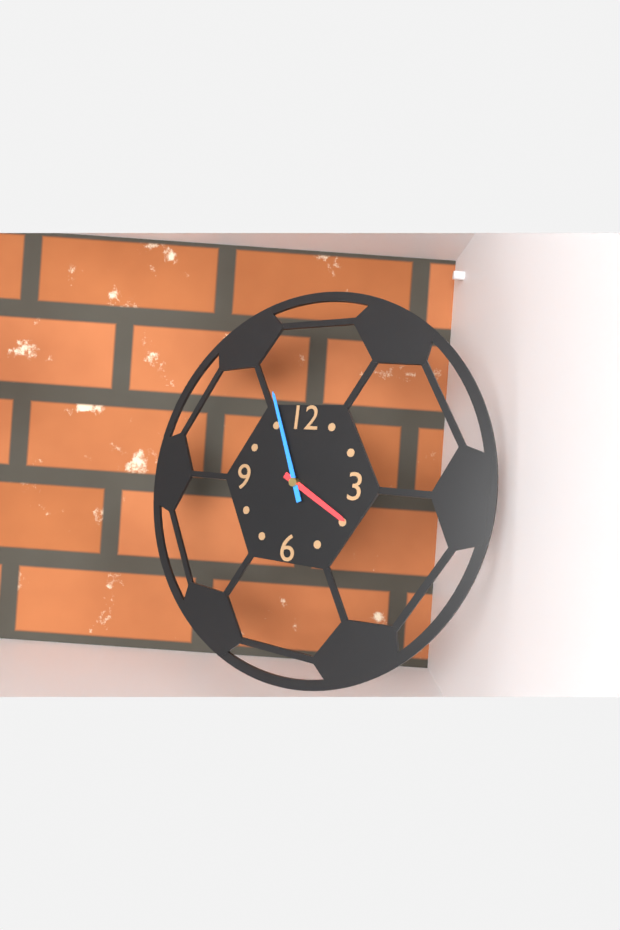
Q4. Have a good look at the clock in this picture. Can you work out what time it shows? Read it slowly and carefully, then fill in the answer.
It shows 3:56
